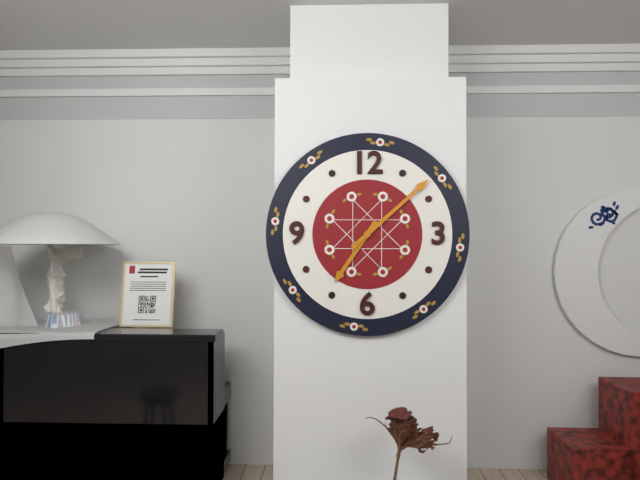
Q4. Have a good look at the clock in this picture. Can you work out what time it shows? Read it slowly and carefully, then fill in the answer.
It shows 7:08
